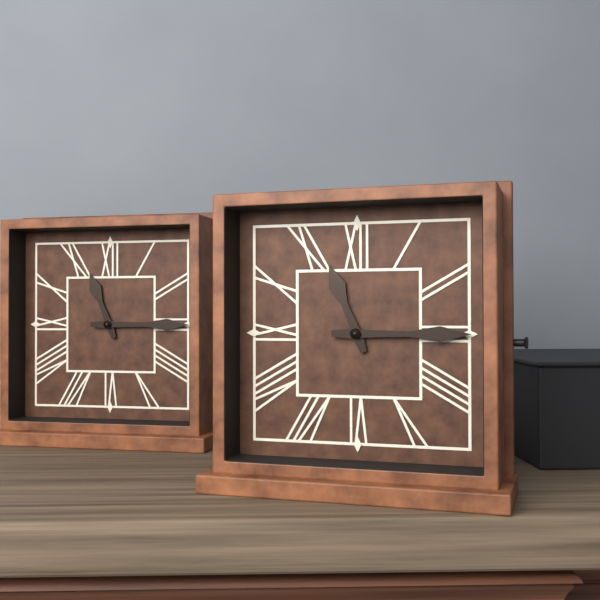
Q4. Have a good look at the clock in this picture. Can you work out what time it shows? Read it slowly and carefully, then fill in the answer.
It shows 11:15
